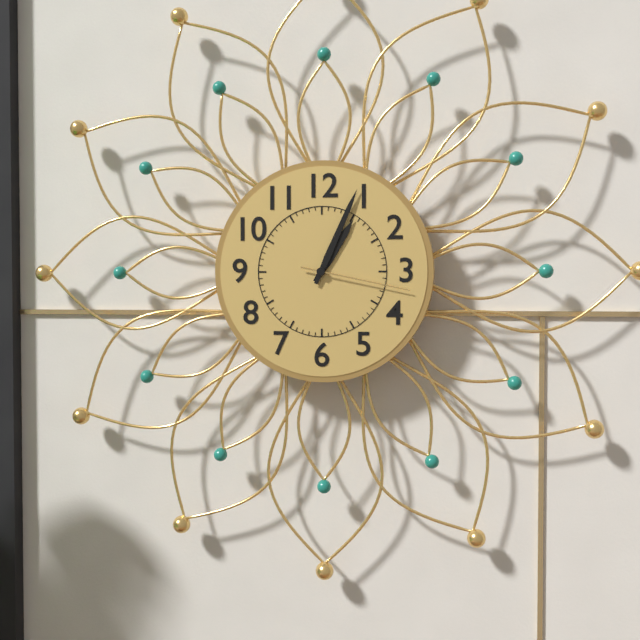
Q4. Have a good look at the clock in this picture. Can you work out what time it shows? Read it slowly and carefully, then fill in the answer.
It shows 1:04:17
